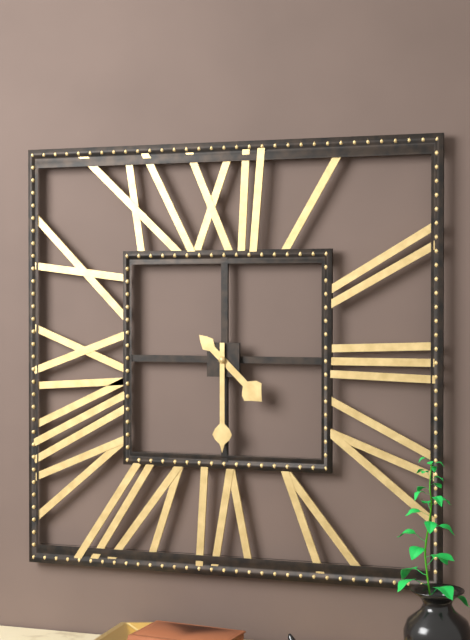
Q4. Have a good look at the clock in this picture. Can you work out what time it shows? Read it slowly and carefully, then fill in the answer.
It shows 4:30
